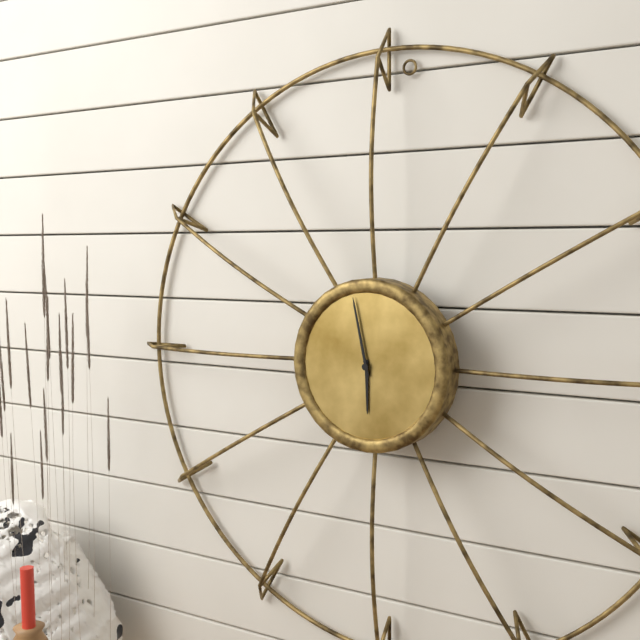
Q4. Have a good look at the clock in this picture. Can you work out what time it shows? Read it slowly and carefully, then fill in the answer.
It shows 5:58
